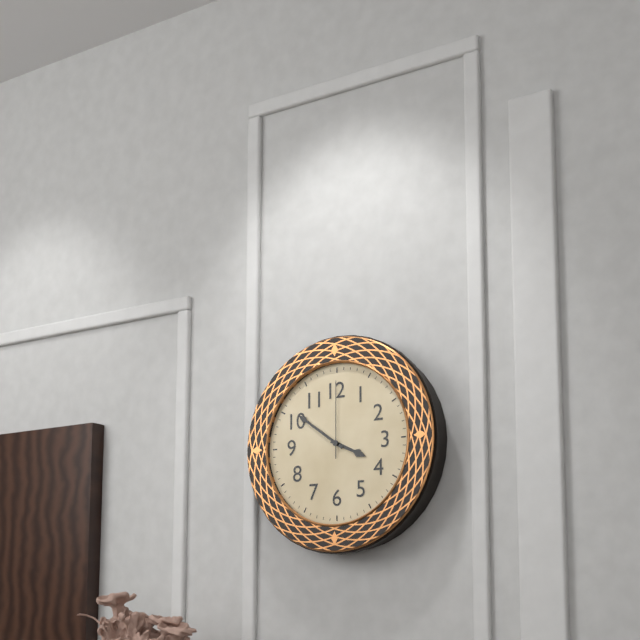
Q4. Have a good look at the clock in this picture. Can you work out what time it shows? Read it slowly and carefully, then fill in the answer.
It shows 3:51:00
